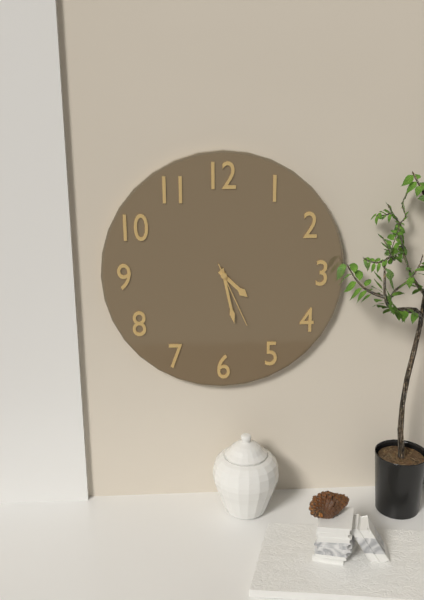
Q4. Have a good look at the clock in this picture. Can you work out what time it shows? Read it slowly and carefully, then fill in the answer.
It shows 4:28:26
